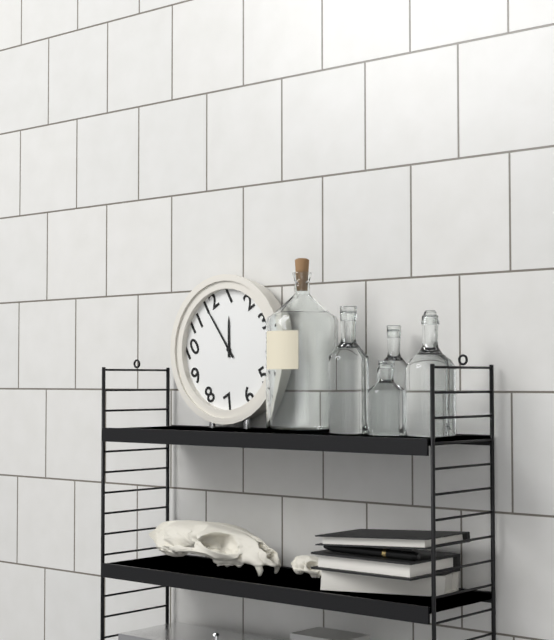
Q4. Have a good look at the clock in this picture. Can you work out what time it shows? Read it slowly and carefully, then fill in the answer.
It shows 12:59
